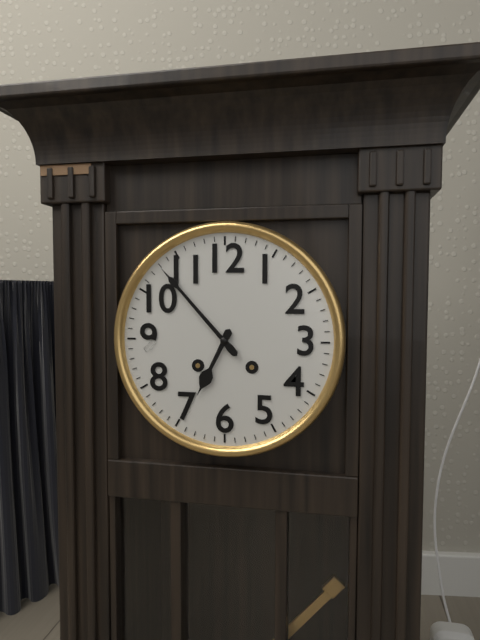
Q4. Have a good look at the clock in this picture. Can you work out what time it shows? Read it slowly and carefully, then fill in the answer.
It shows 6:53
